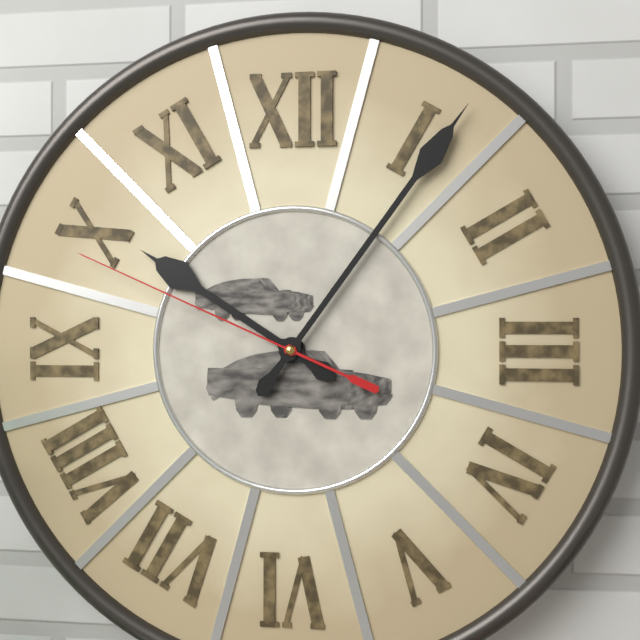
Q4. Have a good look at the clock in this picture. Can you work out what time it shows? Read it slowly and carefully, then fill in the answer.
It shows 10:06:49
